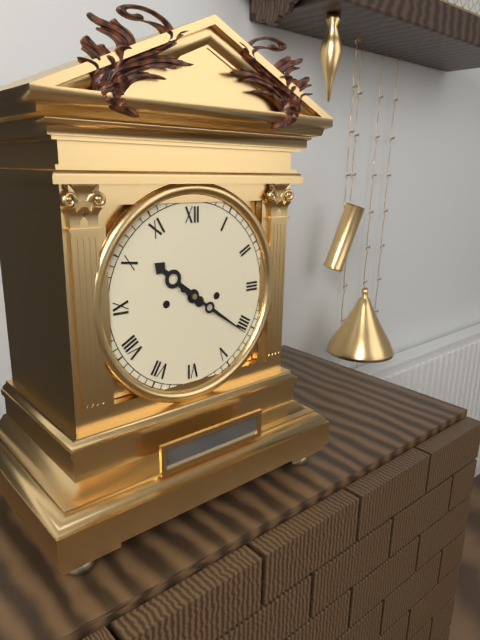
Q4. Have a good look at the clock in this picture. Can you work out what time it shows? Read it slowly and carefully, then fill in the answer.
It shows 10:21
